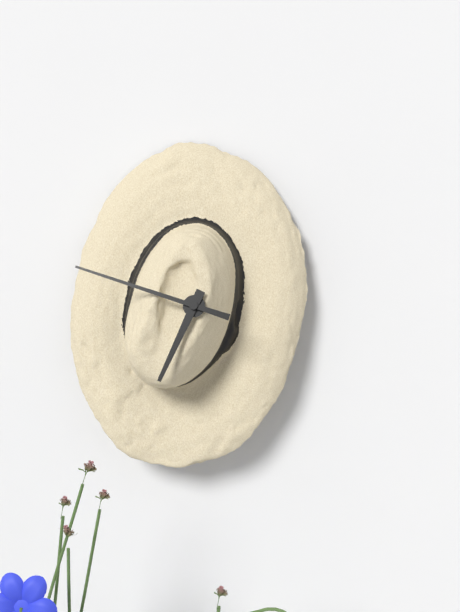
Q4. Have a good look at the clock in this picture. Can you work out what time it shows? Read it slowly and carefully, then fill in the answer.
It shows 6:48
